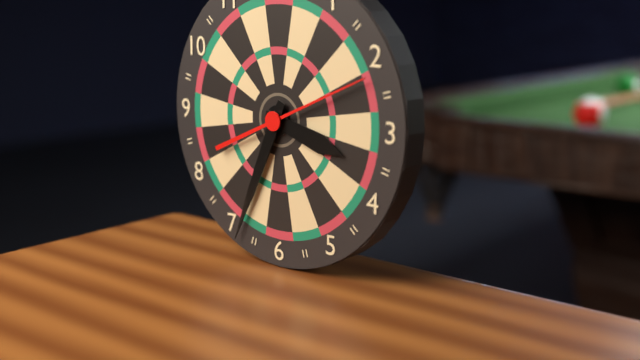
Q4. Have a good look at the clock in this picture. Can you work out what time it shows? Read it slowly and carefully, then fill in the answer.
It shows 3:34:11
